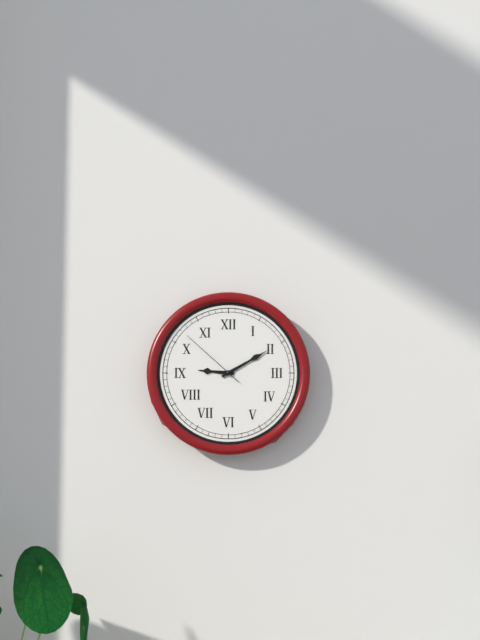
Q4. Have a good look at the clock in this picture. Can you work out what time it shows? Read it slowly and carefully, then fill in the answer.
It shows 9:10:52
